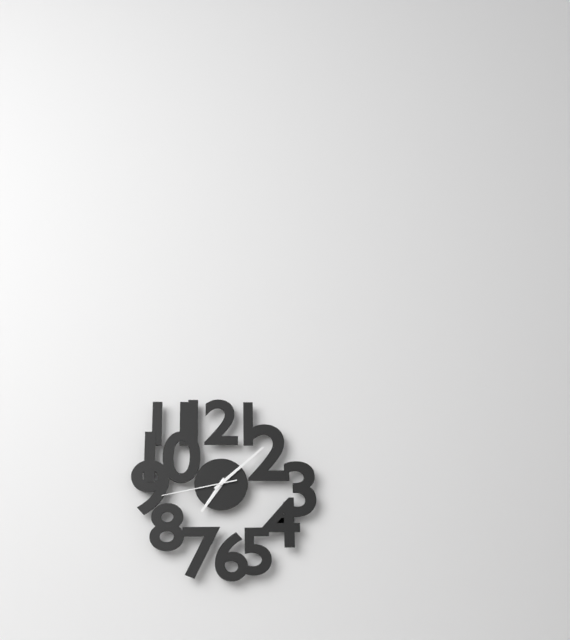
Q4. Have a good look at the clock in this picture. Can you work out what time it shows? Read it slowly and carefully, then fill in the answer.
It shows 7:08:43
